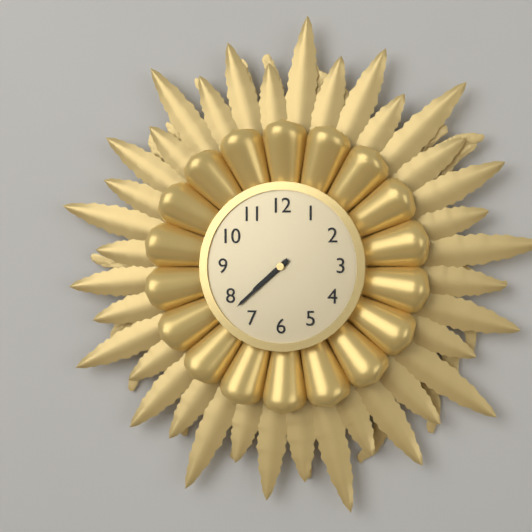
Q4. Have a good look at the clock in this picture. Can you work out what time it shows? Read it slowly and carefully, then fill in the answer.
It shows 7:38
